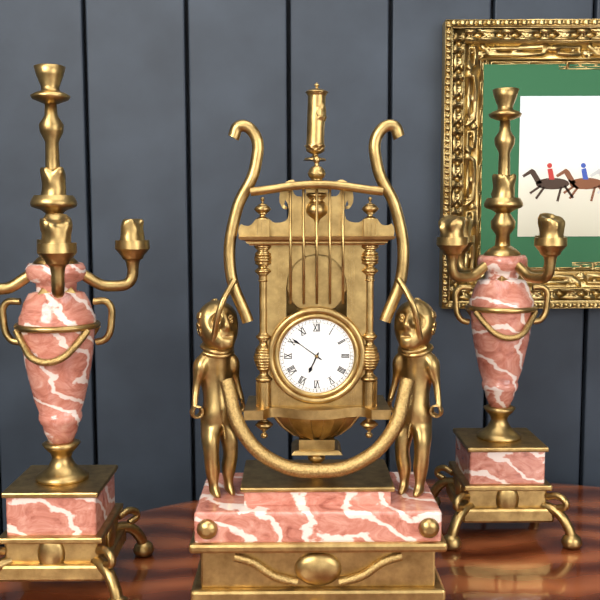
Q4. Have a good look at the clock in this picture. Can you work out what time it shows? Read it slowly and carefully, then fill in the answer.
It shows 6:51
